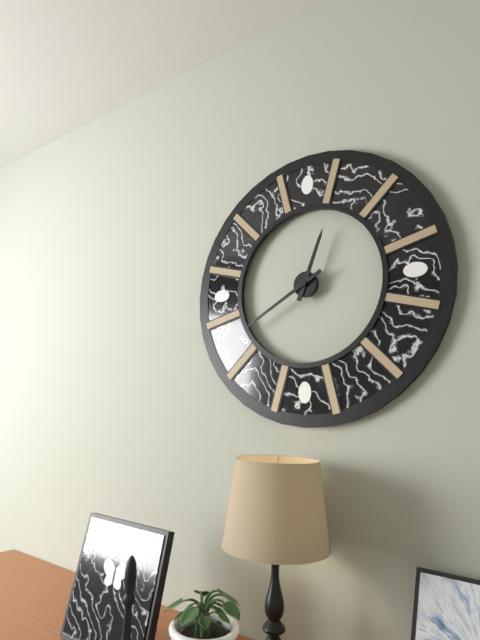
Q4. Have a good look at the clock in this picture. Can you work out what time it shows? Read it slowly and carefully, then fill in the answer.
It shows 12:40
